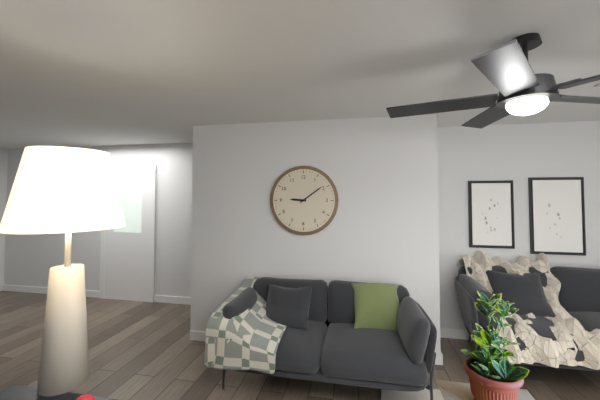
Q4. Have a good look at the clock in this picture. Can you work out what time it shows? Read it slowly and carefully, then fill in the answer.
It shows 9:09
